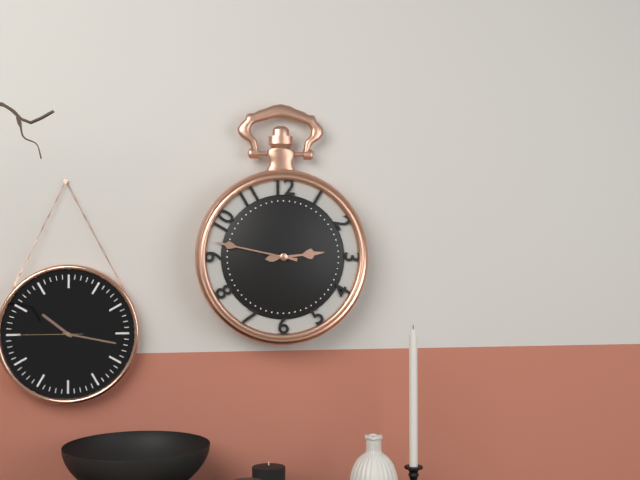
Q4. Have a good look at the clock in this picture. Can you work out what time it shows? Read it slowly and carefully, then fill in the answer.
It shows 2:47
